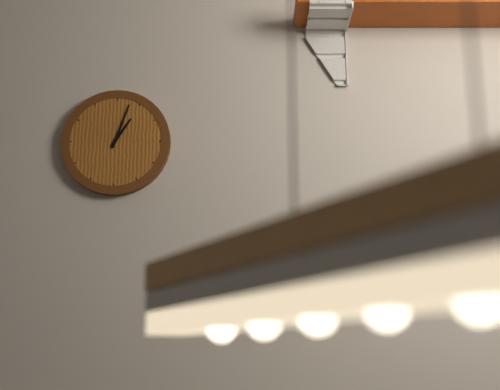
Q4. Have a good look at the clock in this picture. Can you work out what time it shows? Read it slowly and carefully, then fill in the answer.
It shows 1:03
